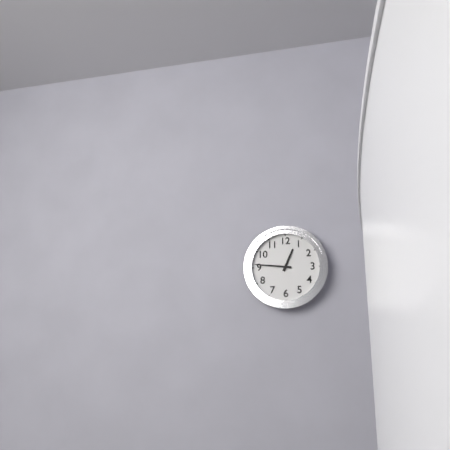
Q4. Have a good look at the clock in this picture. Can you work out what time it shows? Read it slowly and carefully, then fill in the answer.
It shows 12:46
